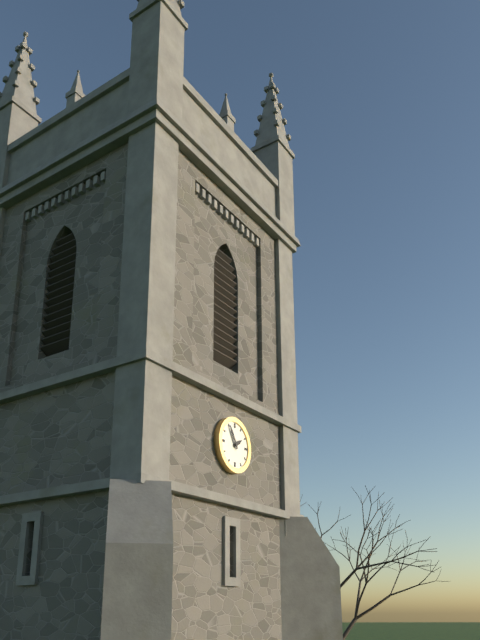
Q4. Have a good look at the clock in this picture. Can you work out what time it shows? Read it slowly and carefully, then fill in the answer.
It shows 1:55
